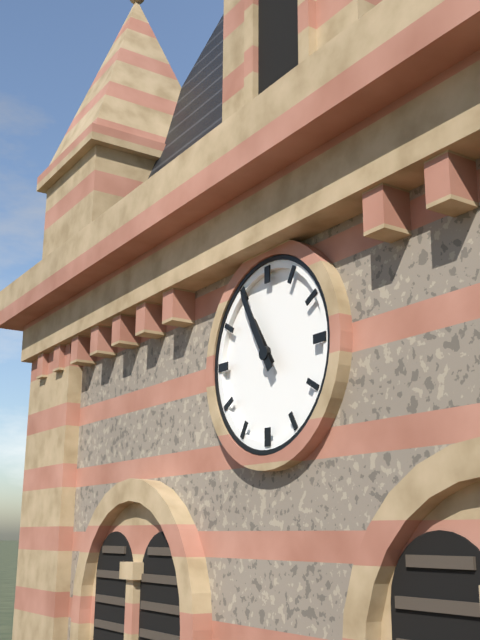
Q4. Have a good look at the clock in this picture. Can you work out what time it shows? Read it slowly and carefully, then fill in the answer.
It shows 10:55
